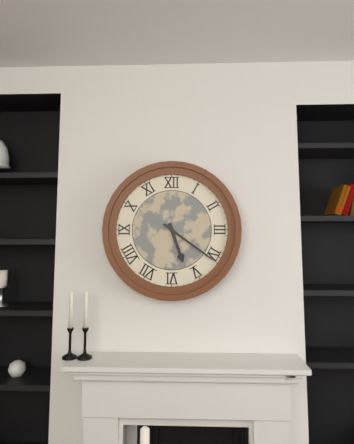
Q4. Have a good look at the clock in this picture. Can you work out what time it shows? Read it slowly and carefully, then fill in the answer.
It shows 5:21
